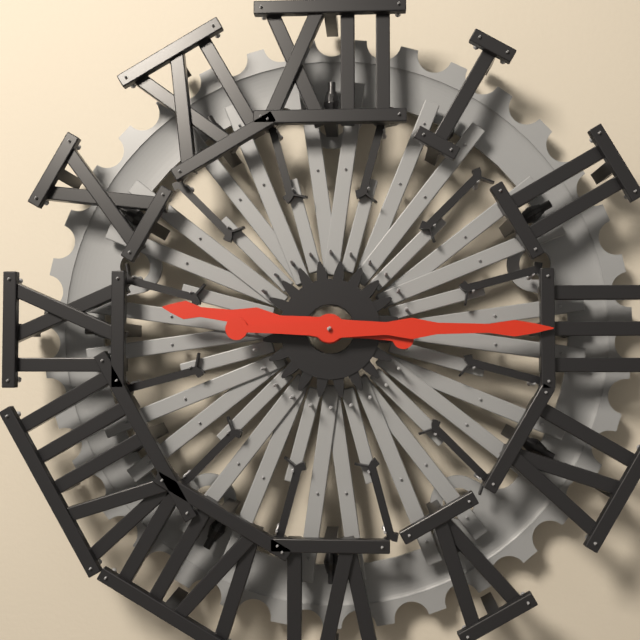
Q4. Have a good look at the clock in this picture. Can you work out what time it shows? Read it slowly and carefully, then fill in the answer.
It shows 9:15
